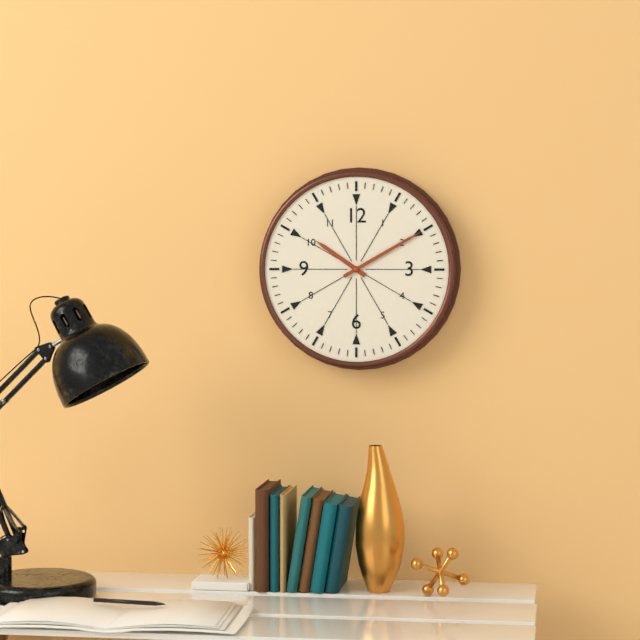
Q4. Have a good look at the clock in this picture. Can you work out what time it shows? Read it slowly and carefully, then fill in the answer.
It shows 10:10
